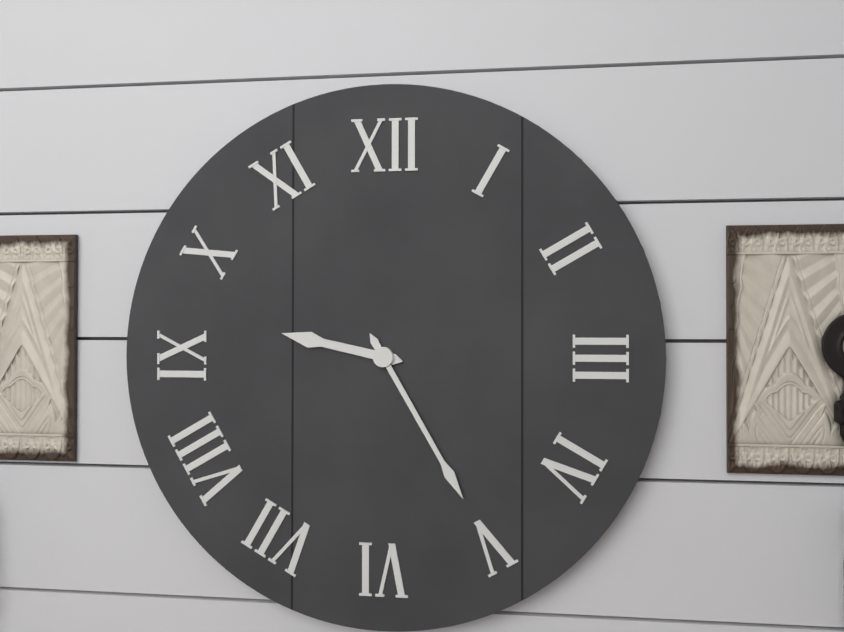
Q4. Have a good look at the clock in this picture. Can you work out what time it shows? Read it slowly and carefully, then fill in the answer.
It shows 9:25
